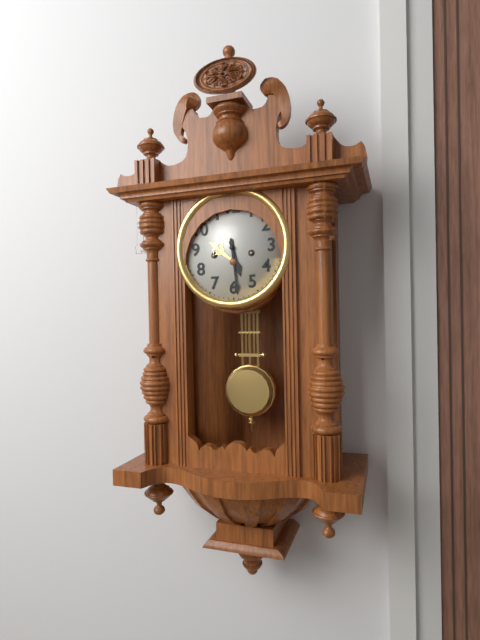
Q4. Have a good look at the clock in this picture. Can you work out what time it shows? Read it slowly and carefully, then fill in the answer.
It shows 5:29
